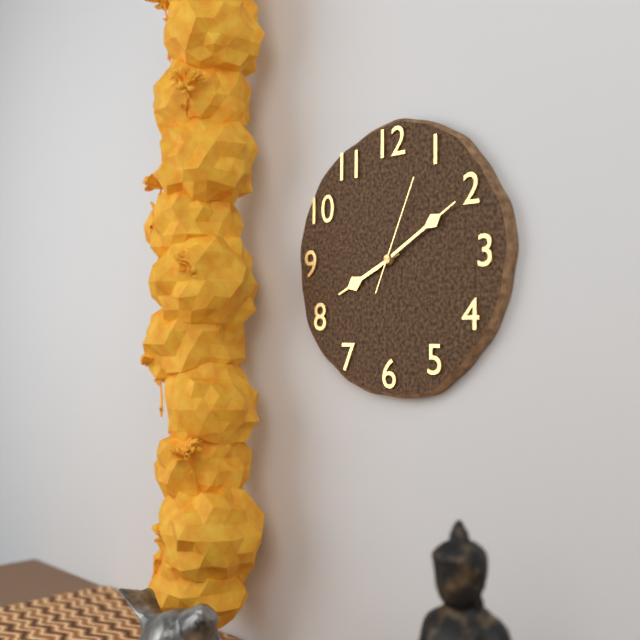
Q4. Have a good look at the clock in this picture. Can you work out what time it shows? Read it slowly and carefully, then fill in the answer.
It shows 8:10:04
